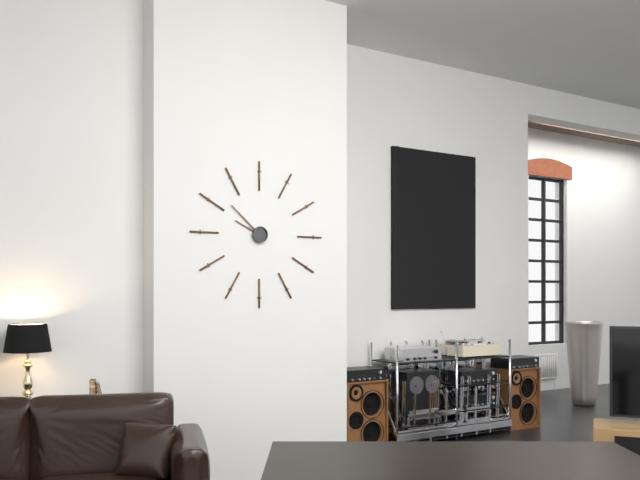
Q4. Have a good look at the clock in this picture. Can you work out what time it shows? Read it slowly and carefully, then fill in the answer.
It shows 9:52
